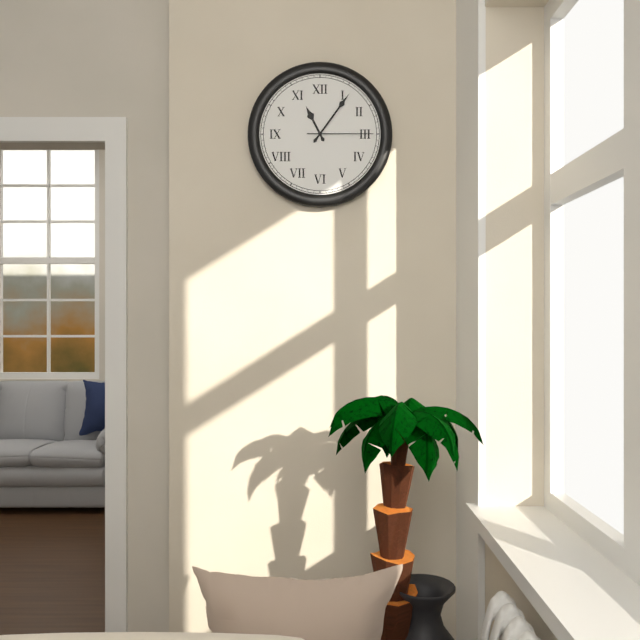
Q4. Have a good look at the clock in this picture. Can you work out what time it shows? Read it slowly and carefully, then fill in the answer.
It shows 11:06:15
